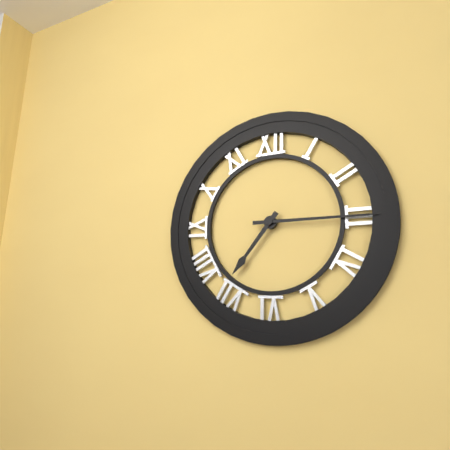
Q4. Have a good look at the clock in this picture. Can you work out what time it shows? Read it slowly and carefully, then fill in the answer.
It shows 7:15
